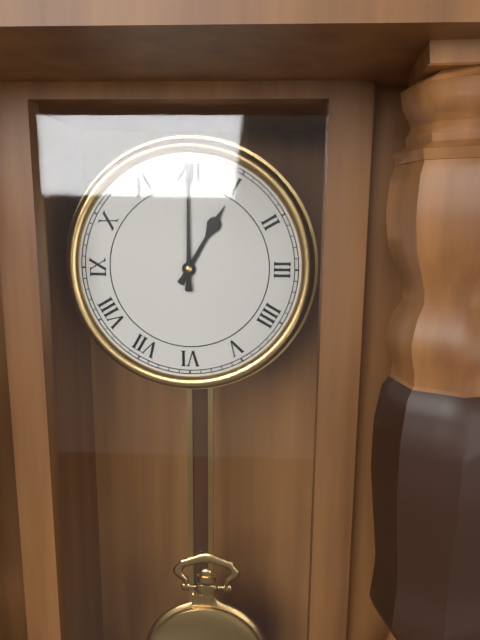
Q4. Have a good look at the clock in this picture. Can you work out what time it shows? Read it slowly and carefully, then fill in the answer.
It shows 1:00
